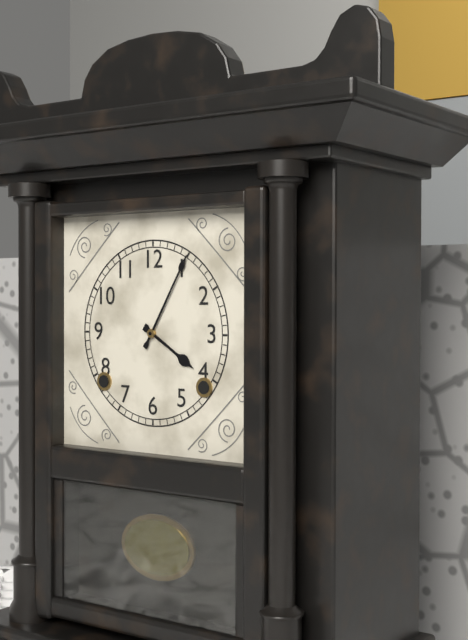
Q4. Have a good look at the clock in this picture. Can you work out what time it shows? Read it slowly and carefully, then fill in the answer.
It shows 4:05
